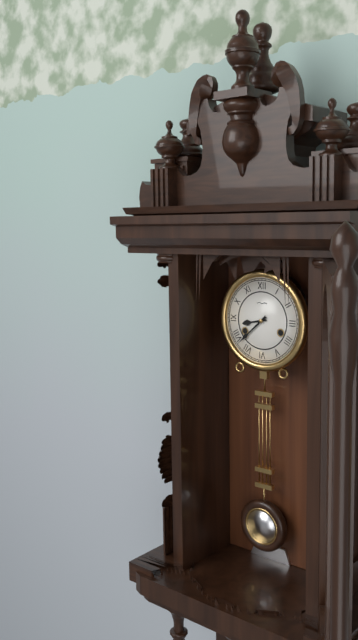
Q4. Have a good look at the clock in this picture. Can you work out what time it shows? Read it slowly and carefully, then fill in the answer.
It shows 8:38
